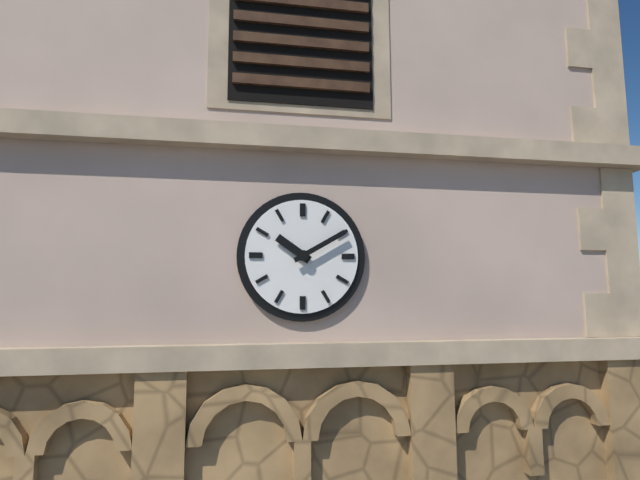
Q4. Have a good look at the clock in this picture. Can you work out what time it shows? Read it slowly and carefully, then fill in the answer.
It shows 10:10
